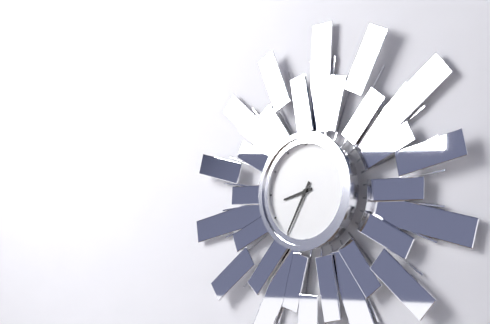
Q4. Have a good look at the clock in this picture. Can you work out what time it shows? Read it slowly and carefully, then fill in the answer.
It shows 8:35
